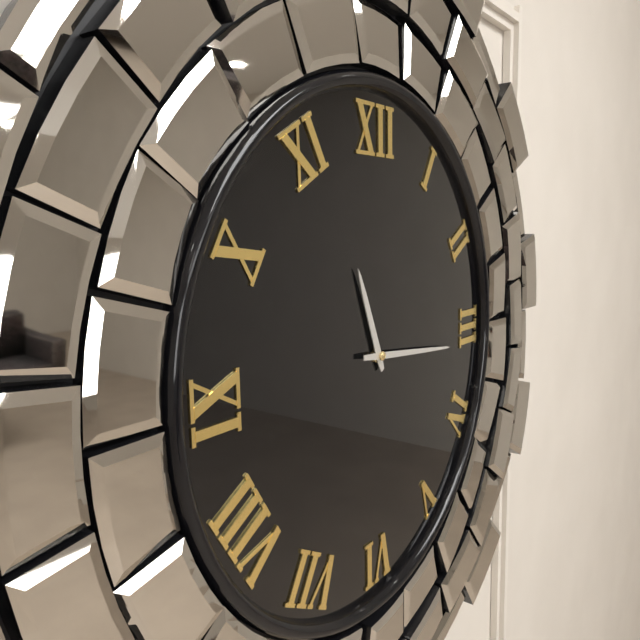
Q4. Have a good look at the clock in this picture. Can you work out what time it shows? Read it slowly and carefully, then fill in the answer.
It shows 11:16
